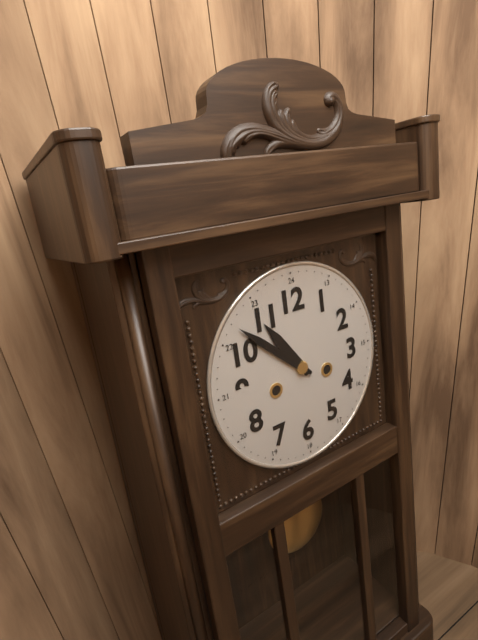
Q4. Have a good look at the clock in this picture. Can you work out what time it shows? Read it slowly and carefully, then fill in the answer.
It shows 10:52
